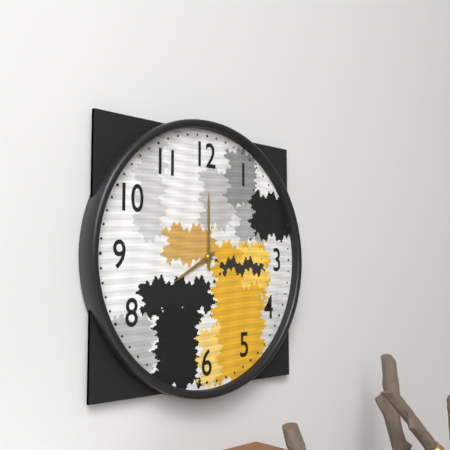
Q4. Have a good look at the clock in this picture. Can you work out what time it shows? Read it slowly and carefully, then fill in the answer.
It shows 8:00
